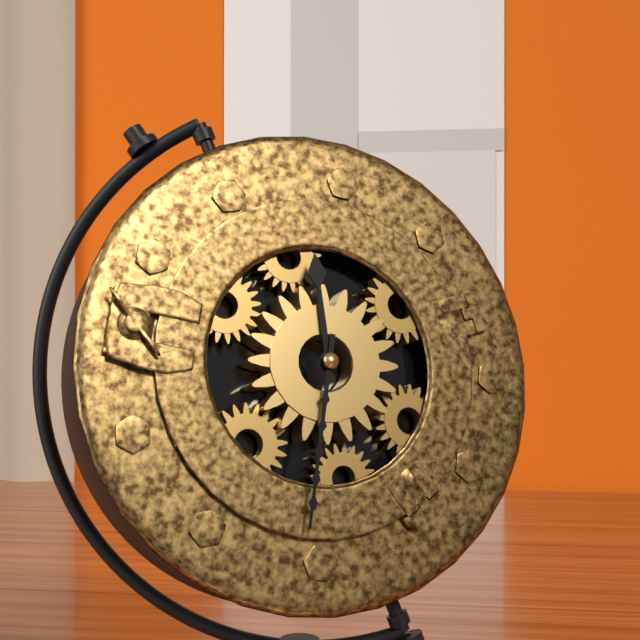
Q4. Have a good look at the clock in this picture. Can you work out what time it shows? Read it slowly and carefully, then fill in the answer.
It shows 11:30
